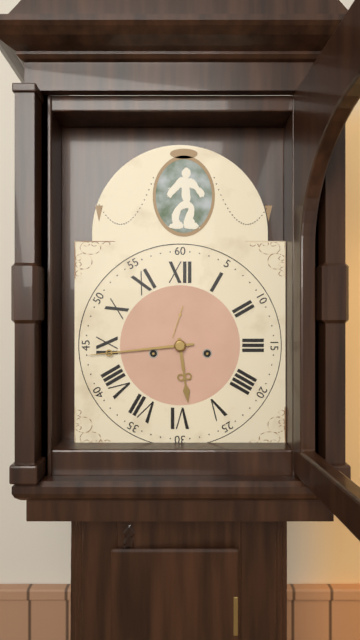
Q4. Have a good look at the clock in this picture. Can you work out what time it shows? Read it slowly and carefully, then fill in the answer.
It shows 5:44
